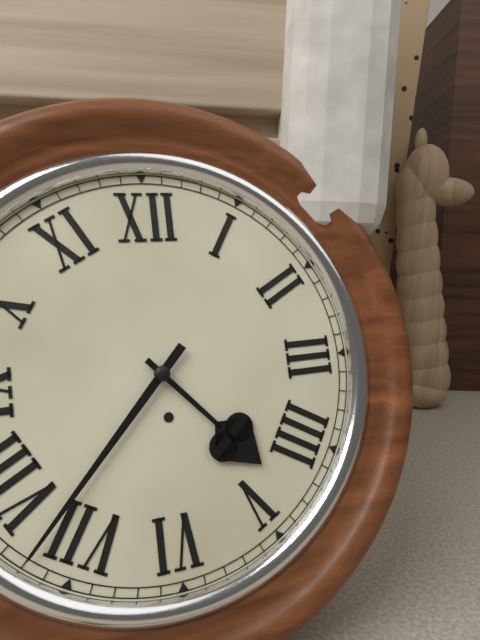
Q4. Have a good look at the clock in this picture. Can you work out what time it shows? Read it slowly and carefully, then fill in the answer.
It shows 4:37
